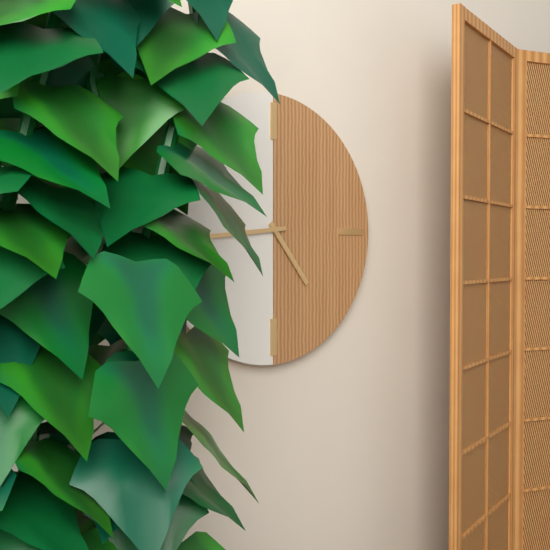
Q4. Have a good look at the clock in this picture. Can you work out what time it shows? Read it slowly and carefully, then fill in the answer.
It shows 4:44
